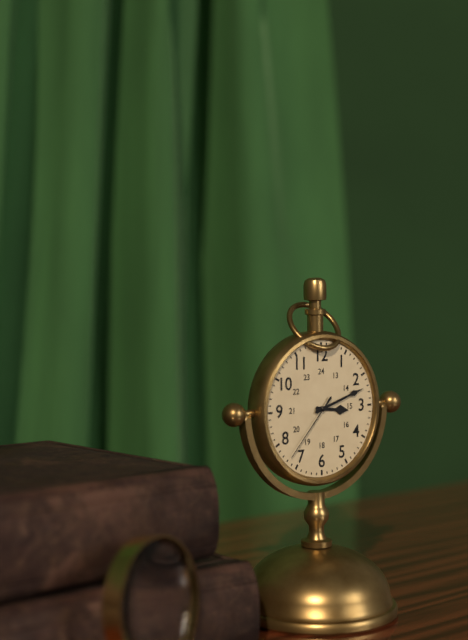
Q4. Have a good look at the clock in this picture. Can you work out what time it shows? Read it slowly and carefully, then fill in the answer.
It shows 3:12:37
